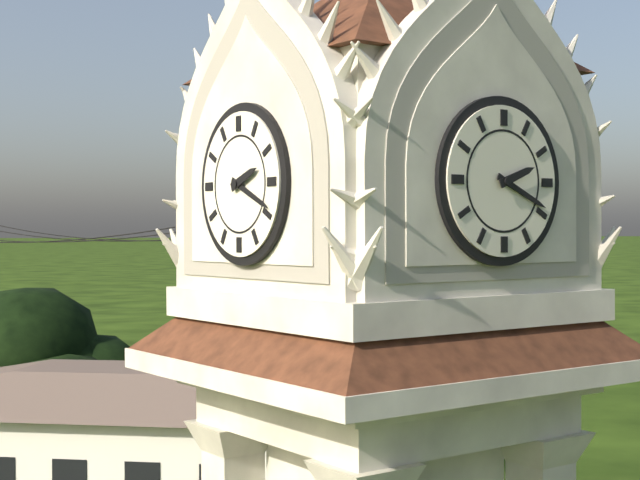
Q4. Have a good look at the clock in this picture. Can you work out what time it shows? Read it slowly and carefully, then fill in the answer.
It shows 2:19
